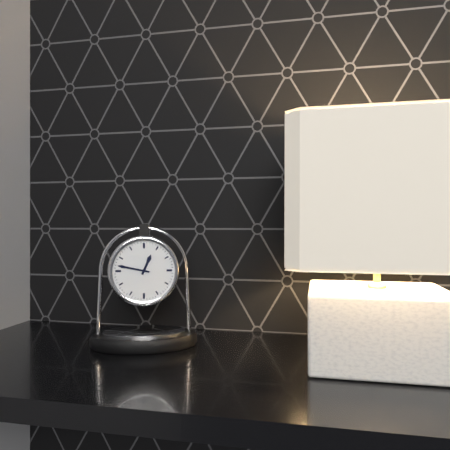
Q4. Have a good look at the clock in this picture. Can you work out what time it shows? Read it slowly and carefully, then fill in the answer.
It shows 12:47
